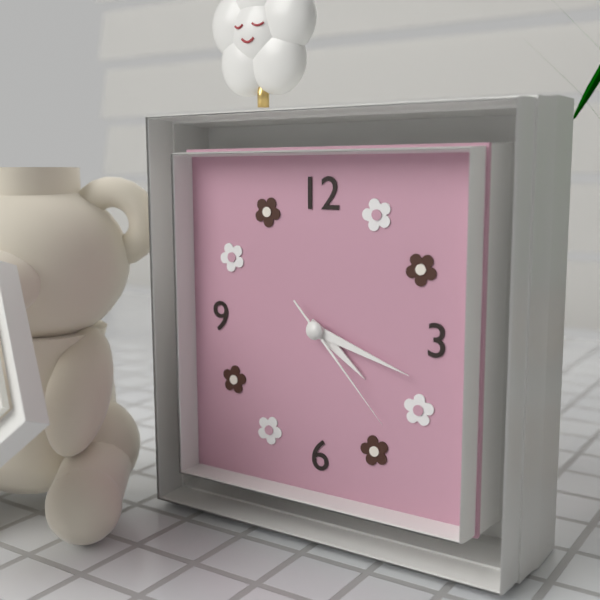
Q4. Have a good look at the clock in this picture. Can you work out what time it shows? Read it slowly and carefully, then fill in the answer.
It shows 4:18:23
